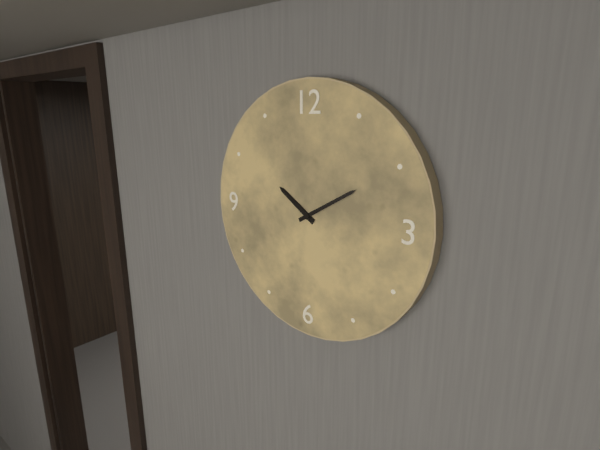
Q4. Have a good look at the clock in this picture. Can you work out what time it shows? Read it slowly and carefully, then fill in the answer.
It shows 10:10
